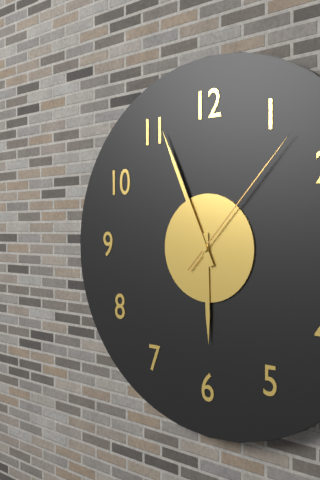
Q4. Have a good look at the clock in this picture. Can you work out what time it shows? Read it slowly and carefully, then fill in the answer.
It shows 5:56:07
